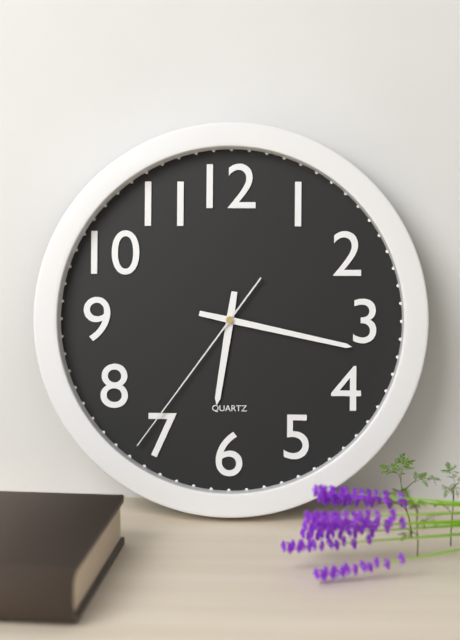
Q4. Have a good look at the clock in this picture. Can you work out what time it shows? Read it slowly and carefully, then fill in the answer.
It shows 6:17:36
